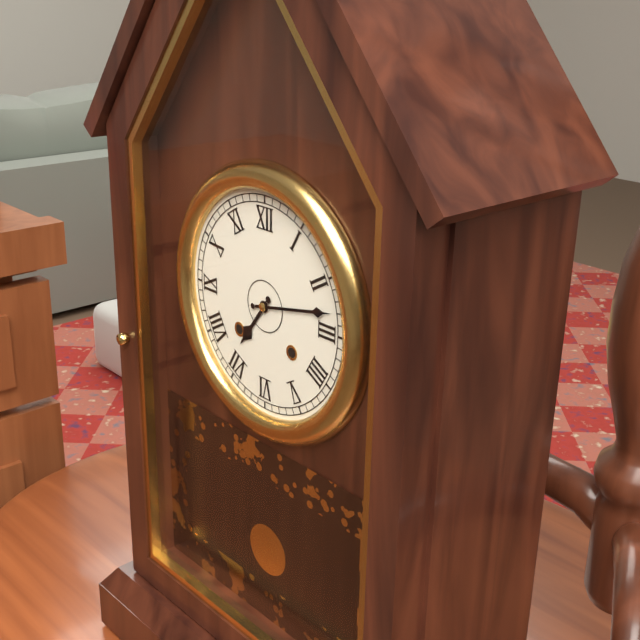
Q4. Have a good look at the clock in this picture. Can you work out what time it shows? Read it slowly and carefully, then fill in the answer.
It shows 7:13
